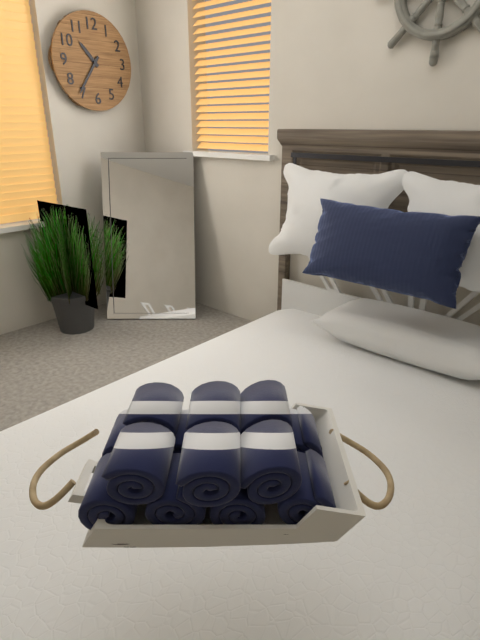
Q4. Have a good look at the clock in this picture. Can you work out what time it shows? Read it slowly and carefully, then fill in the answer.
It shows 10:36
